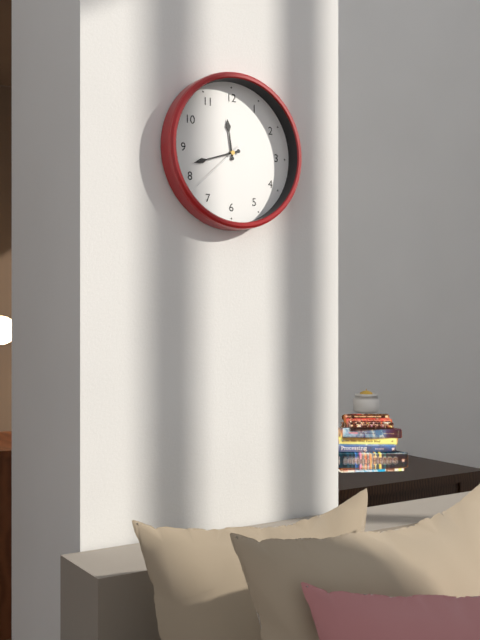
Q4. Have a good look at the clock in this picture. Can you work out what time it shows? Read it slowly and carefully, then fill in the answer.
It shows 11:42:38
